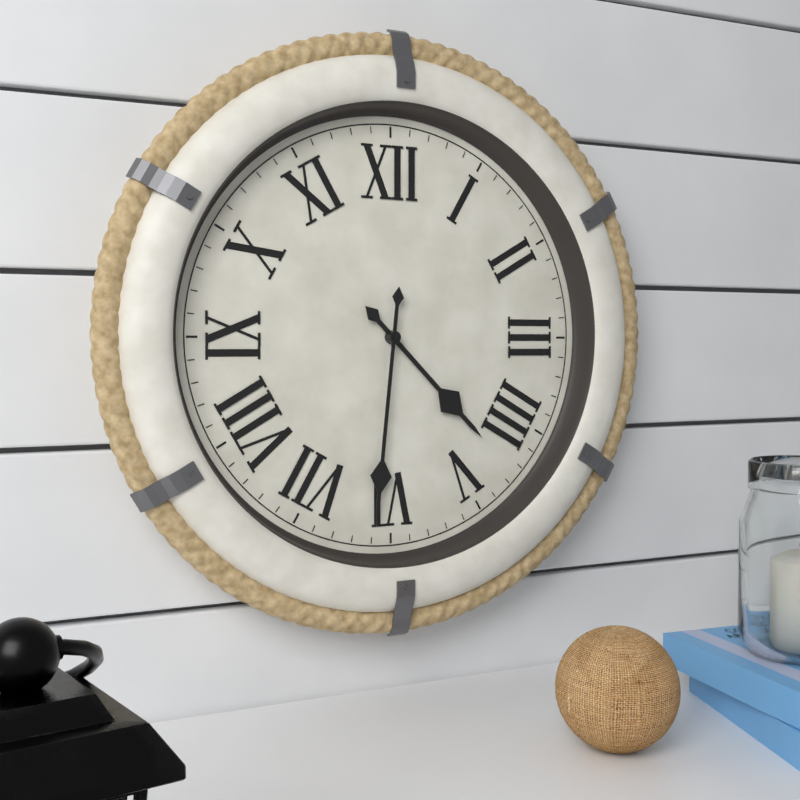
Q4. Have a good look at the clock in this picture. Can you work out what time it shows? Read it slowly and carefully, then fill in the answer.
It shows 4:31
